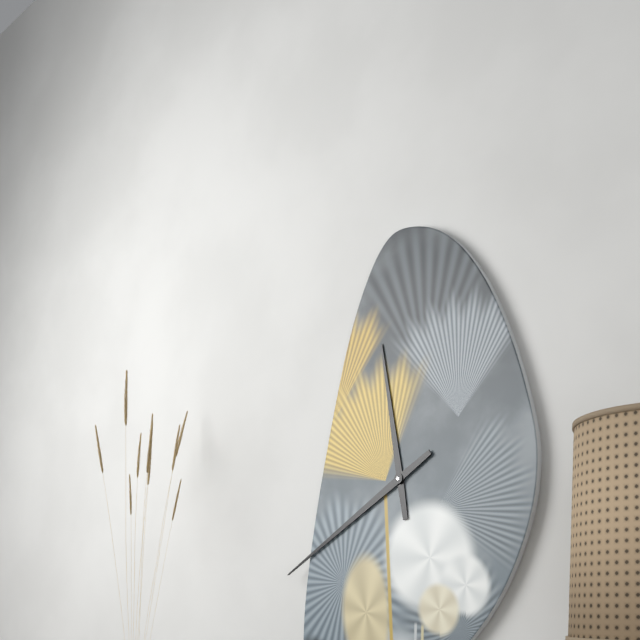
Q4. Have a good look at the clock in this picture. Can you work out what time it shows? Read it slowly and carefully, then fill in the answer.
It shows 11:40
